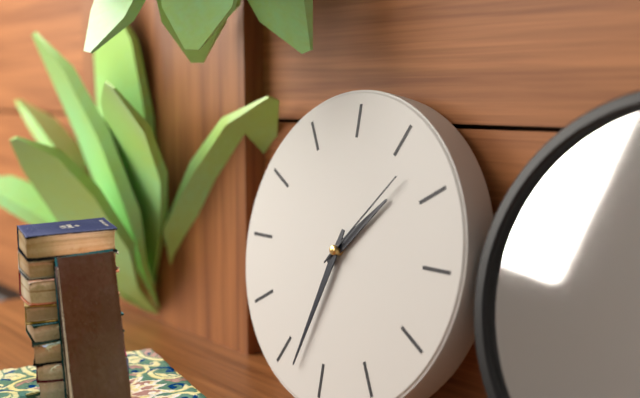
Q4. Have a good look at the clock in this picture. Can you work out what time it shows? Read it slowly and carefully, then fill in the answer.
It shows 1:33:07
